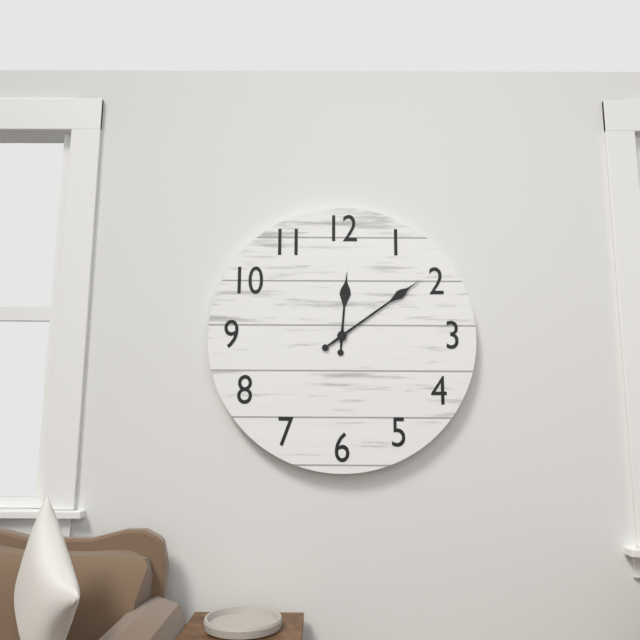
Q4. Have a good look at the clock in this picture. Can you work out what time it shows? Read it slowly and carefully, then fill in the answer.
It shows 12:09
